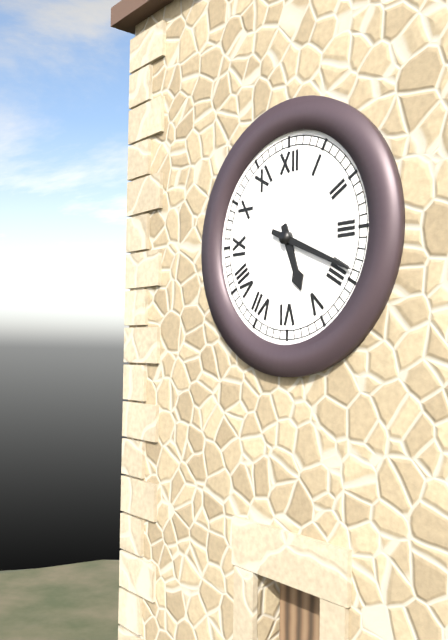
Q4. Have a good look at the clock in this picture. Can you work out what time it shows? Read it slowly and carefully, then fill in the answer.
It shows 5:19
